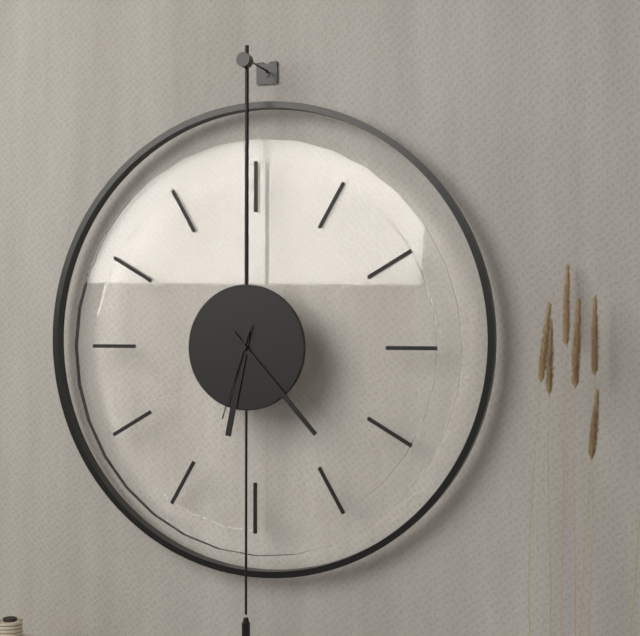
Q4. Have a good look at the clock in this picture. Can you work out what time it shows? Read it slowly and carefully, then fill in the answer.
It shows 6:23:33
